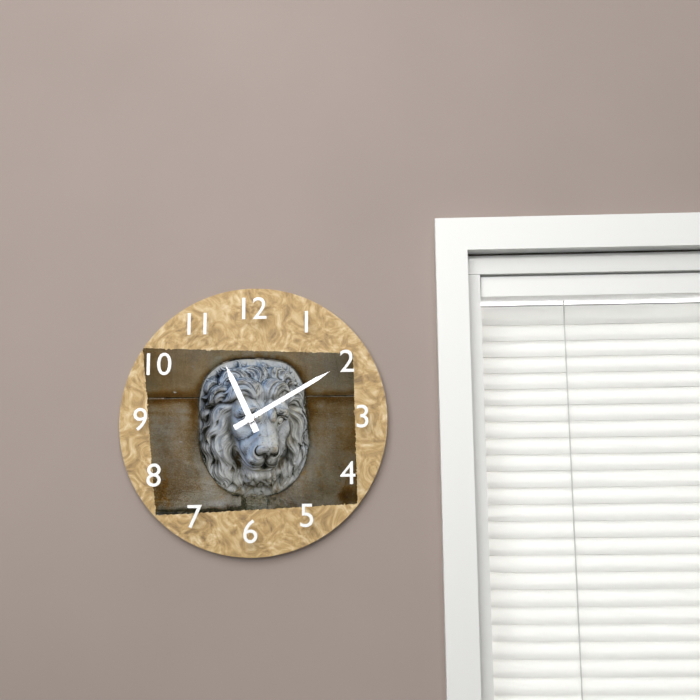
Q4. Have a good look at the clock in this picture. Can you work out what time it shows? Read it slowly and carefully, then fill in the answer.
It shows 11:10
